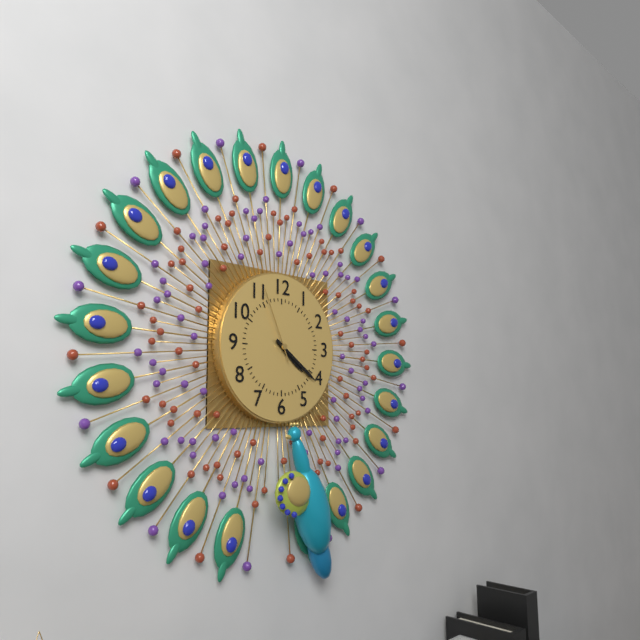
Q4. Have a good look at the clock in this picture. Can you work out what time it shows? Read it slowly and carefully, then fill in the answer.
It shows 4:21:56
